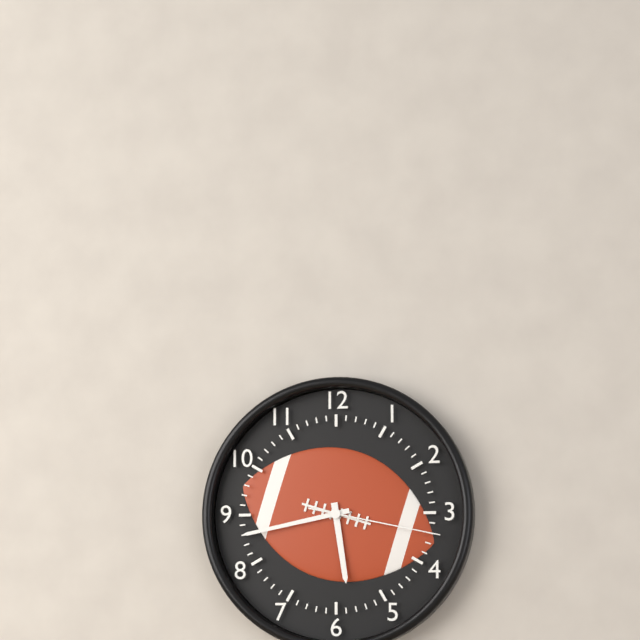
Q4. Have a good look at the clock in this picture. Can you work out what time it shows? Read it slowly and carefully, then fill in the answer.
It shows 5:43:17
